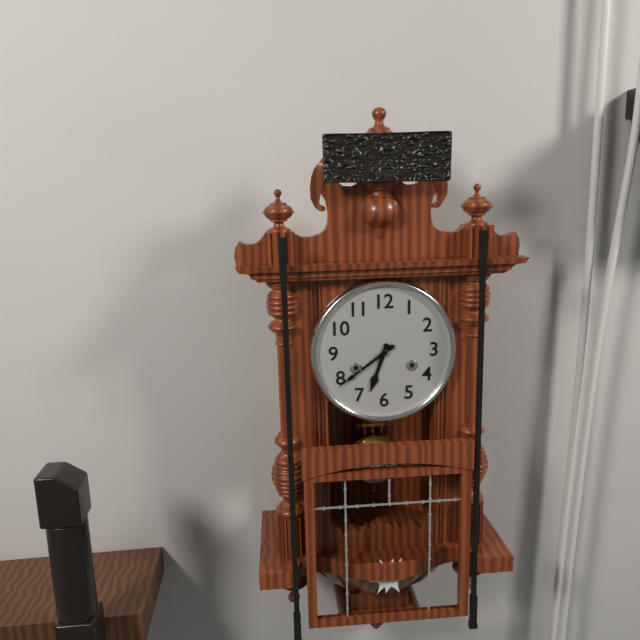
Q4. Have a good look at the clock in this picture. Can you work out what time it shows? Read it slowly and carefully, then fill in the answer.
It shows 6:39
